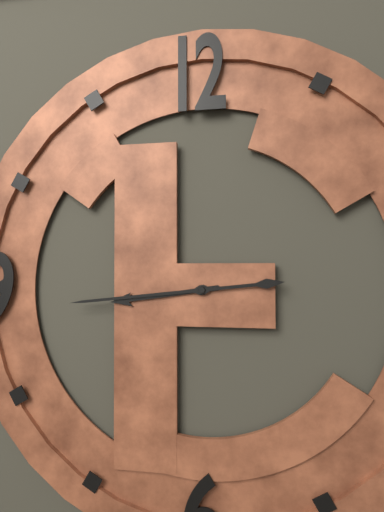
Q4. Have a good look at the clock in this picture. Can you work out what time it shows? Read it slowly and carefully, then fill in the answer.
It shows 8:44
